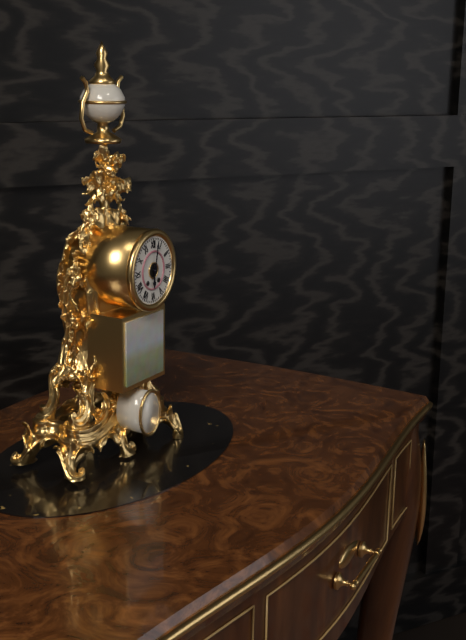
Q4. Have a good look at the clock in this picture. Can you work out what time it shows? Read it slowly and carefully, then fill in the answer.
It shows 6:02
